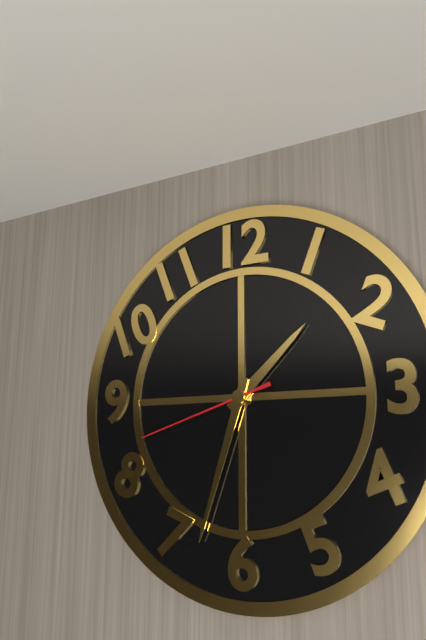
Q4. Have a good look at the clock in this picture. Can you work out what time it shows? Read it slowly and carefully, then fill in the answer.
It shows 1:33:42
